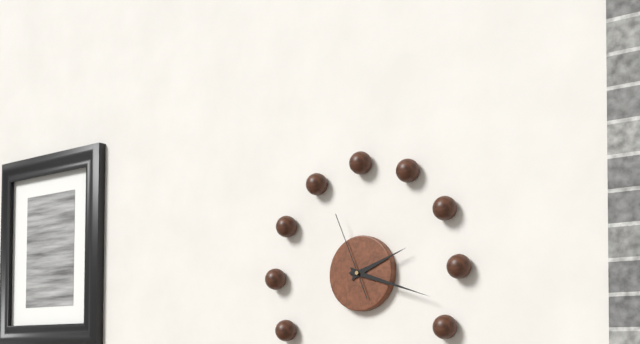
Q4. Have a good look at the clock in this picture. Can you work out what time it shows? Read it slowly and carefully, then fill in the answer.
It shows 2:18:56
